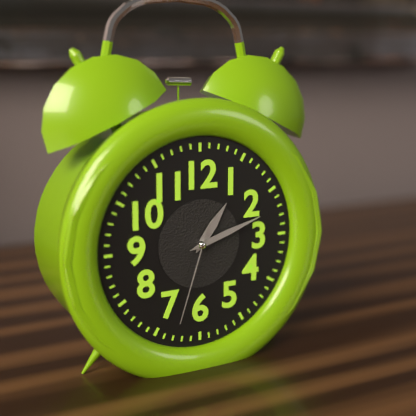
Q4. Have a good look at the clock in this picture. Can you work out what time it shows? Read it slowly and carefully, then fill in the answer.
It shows 1:12:33
